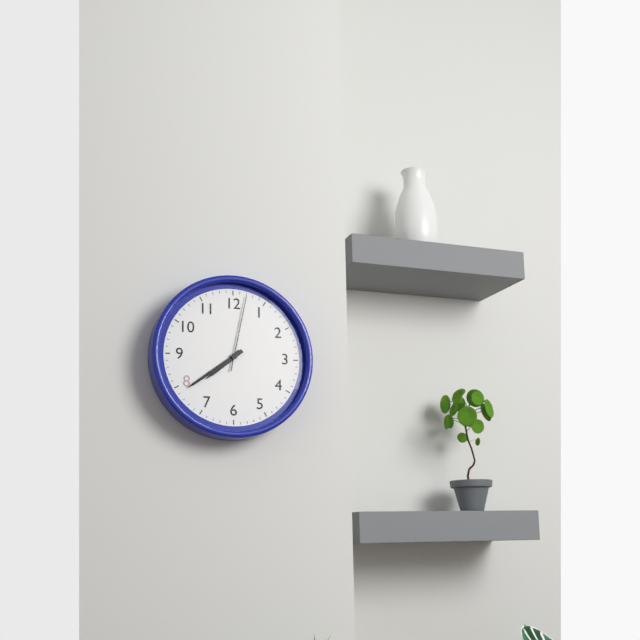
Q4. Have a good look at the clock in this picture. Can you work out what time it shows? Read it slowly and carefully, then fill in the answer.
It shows 7:39:02
